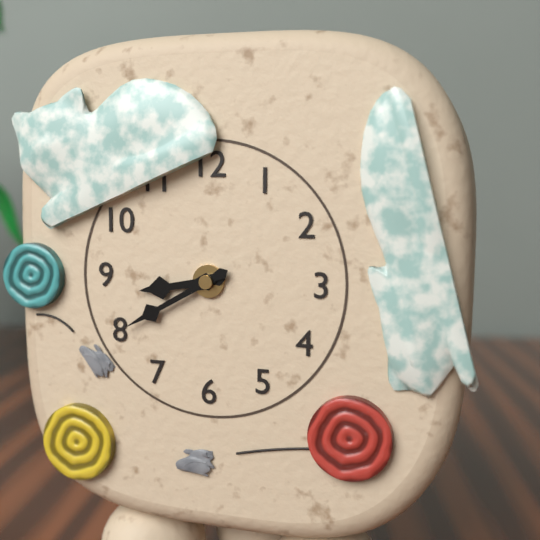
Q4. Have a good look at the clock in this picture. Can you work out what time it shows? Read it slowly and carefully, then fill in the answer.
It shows 8:40
